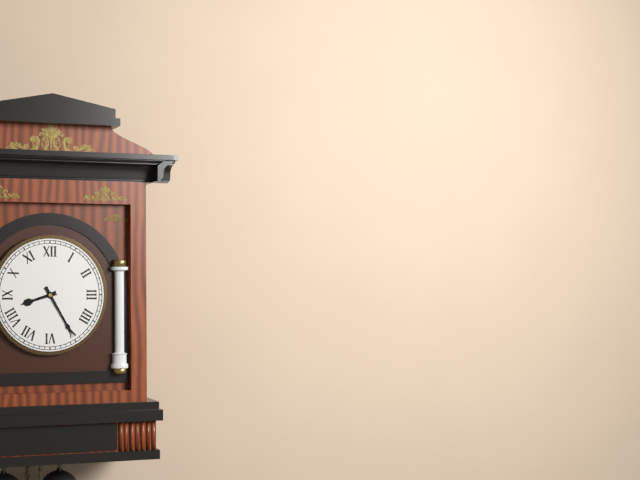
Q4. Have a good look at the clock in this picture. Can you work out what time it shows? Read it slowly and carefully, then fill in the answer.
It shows 8:25
